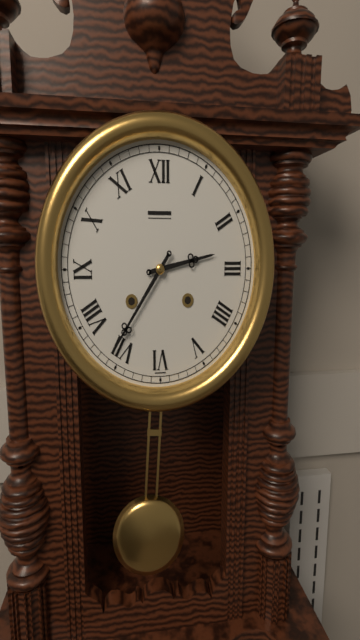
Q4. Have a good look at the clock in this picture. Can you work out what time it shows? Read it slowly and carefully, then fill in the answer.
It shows 2:36
